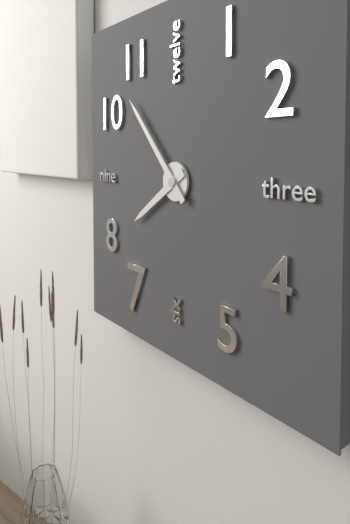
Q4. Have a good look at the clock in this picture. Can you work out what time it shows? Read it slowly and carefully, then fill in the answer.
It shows 7:53
